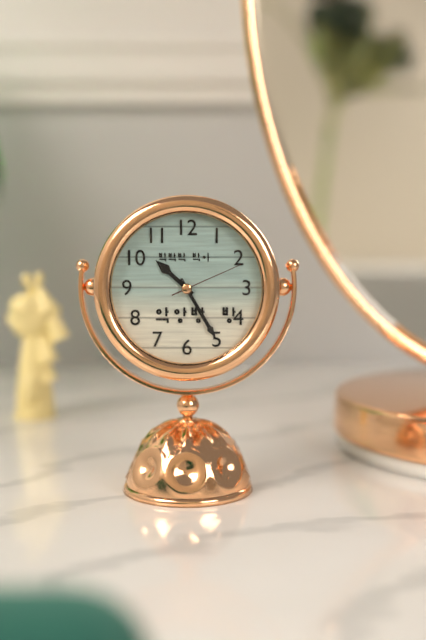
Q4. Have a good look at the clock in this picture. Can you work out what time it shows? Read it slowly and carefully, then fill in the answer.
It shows 10:25:11
